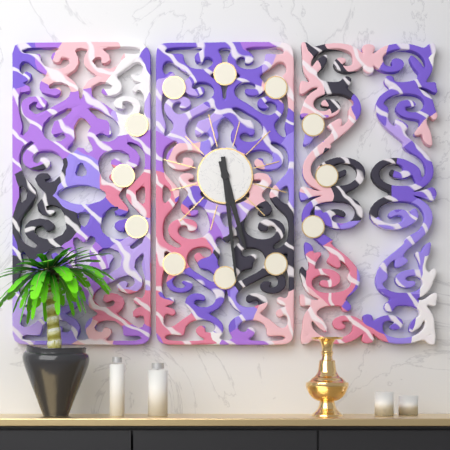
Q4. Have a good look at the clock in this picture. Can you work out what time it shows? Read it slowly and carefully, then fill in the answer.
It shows 5:29
